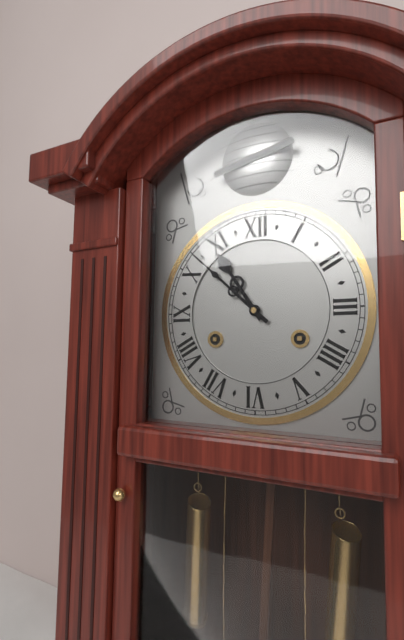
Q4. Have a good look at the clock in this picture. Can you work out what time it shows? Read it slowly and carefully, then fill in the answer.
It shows 10:52
